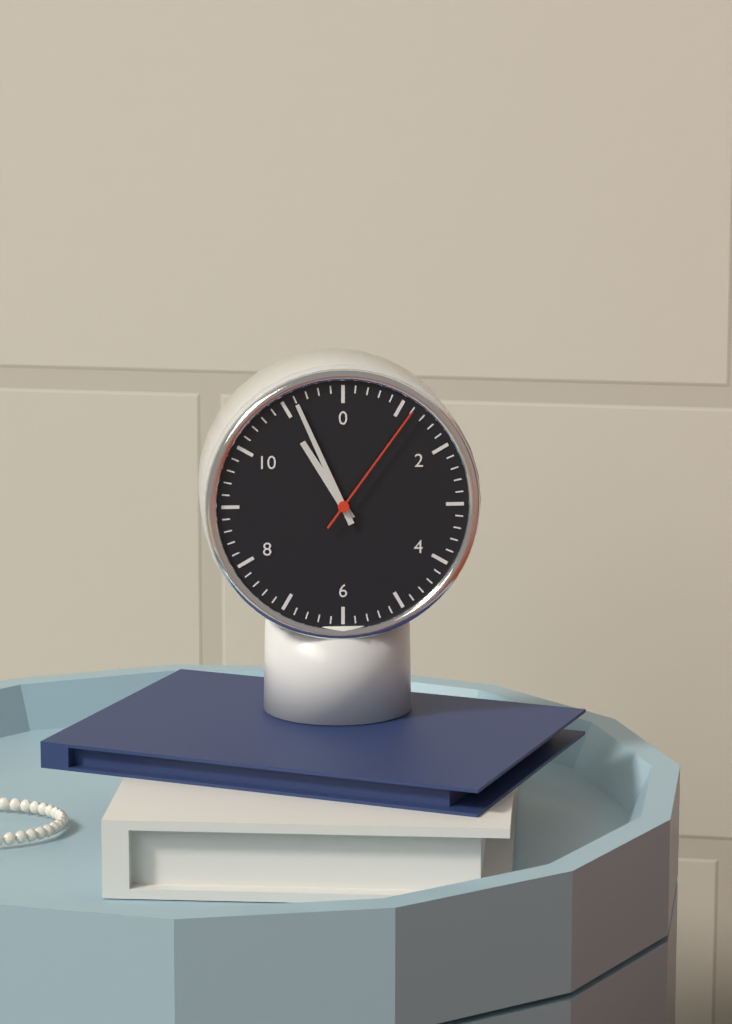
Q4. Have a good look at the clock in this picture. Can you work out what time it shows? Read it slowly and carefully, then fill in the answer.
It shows 10:56:06
